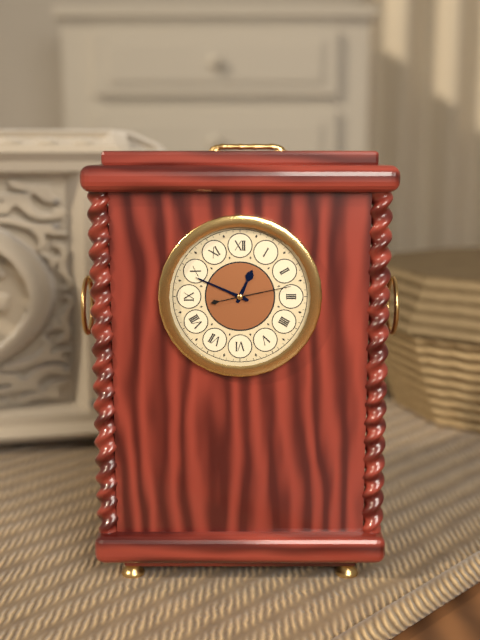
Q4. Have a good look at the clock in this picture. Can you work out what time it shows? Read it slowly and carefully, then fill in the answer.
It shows 12:49:13
